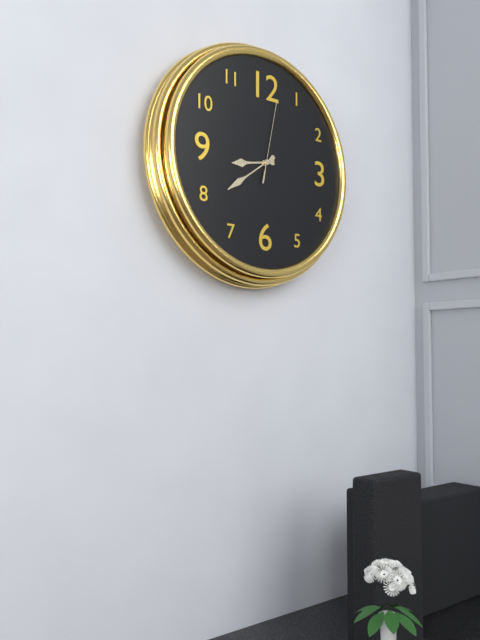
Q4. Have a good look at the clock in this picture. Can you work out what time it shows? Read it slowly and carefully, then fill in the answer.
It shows 8:39:02
